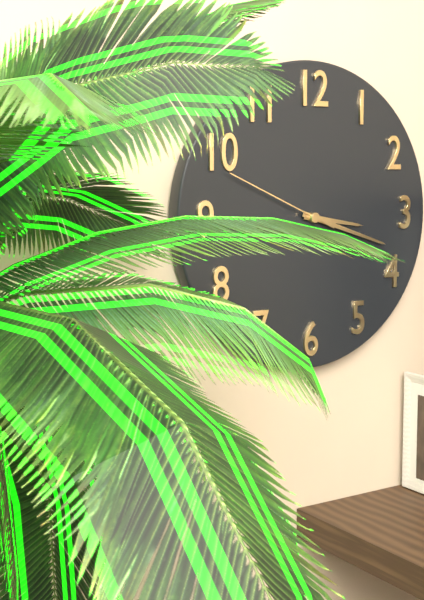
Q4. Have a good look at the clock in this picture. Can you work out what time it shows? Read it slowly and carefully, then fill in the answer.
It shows 3:18:49
